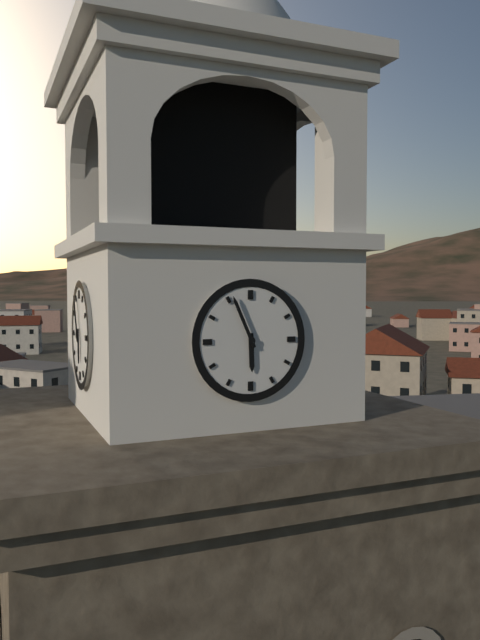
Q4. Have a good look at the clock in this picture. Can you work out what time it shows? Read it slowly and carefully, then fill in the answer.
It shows 5:56
